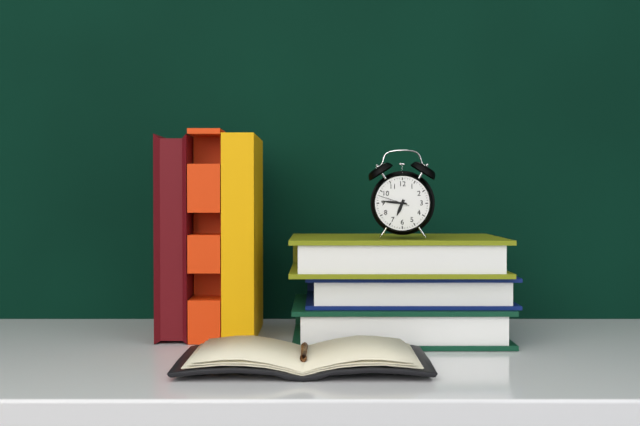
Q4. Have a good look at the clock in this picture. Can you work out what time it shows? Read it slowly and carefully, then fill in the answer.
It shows 6:46
